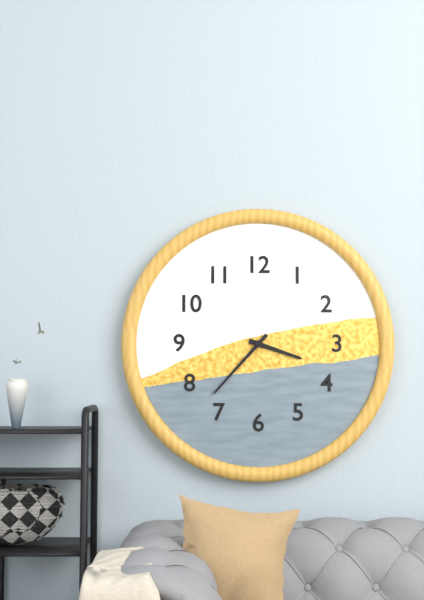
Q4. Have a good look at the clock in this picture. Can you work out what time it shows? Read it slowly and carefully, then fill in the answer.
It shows 3:37
